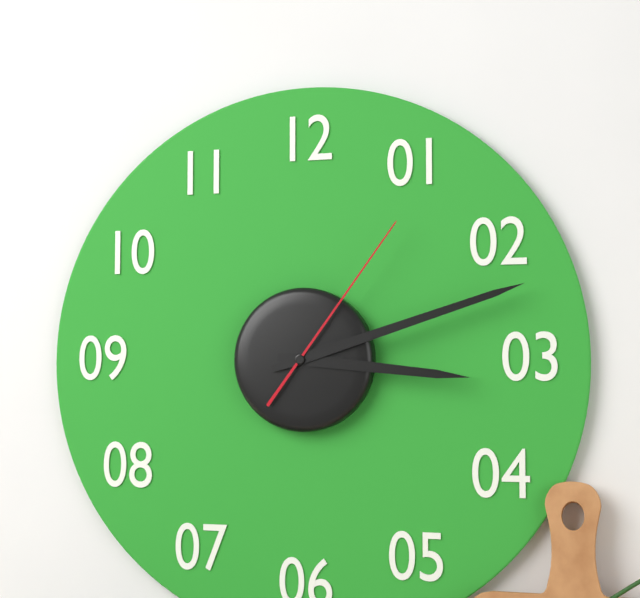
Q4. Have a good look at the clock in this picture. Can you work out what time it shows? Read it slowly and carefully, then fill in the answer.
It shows 3:12:06
